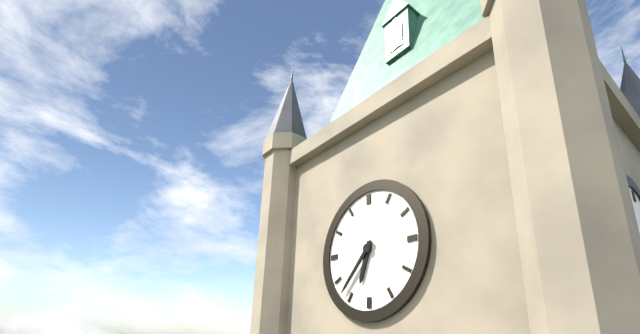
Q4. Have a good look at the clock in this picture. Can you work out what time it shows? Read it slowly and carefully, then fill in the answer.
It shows 6:37
